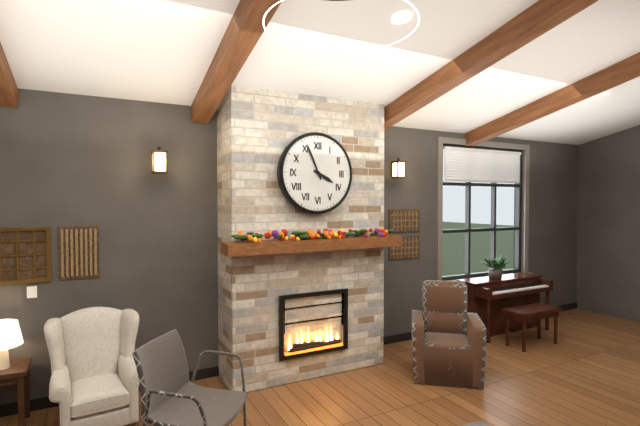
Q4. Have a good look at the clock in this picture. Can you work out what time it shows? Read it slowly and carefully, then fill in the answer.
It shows 3:56
